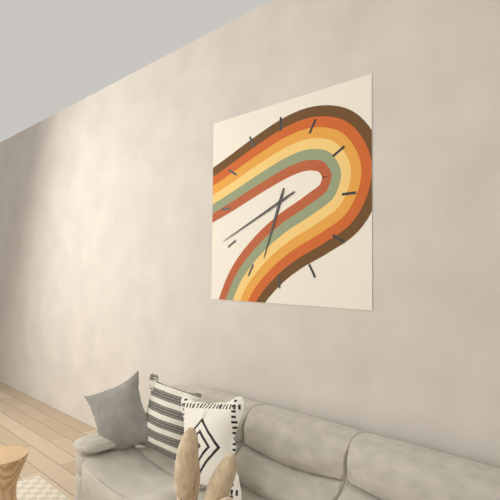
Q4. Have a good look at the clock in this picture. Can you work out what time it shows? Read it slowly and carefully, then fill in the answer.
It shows 6:41
